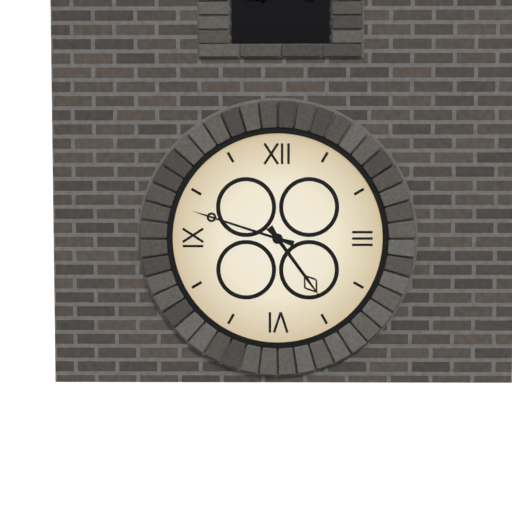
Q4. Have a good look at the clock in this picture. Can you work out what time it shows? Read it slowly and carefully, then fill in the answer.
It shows 4:48
